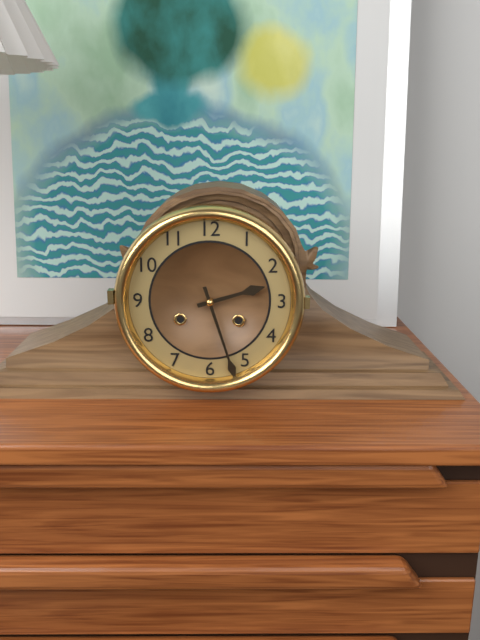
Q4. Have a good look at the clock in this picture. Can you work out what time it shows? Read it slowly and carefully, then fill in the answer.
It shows 2:27
